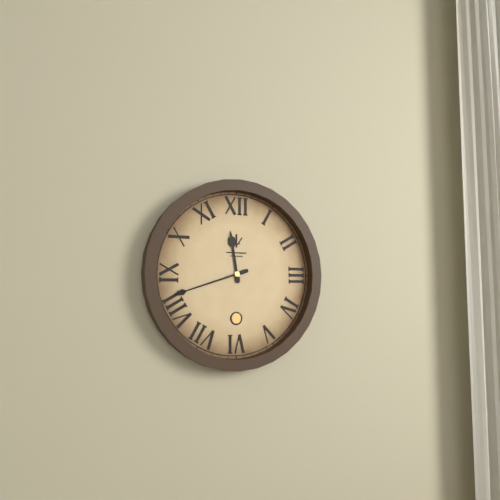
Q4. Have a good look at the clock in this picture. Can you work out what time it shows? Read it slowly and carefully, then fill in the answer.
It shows 11:42
